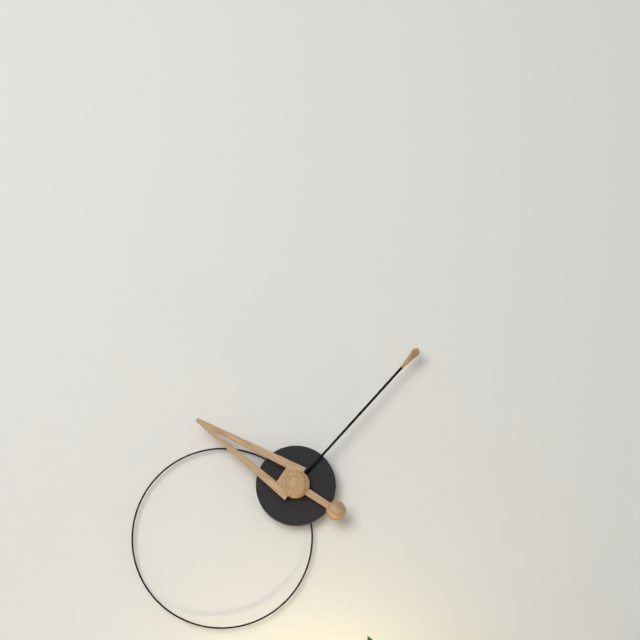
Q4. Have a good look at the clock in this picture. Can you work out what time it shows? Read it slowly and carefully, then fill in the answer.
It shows 10:07
